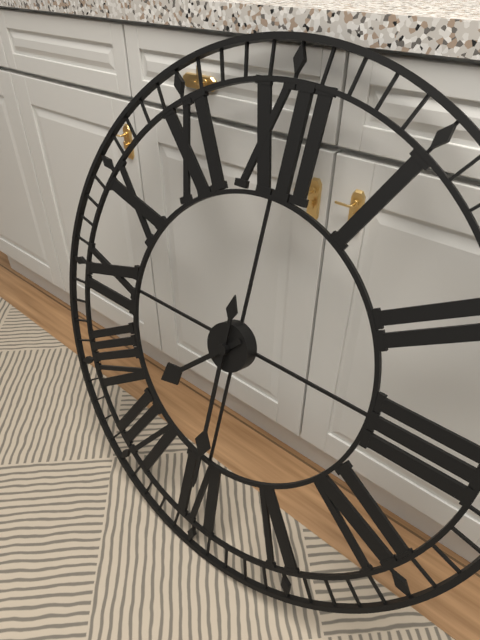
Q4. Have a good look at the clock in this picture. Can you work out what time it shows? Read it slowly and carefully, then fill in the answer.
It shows 7:30
